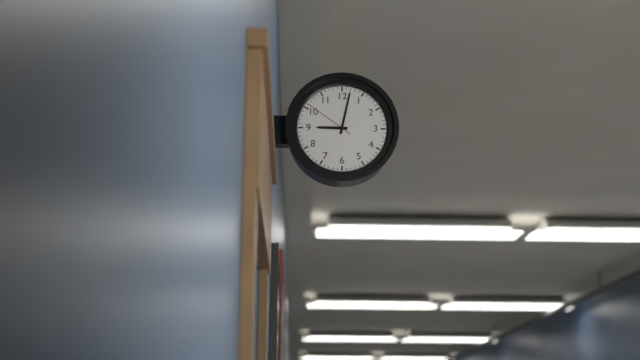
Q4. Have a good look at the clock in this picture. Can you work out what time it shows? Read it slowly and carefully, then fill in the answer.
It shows 9:02:51
